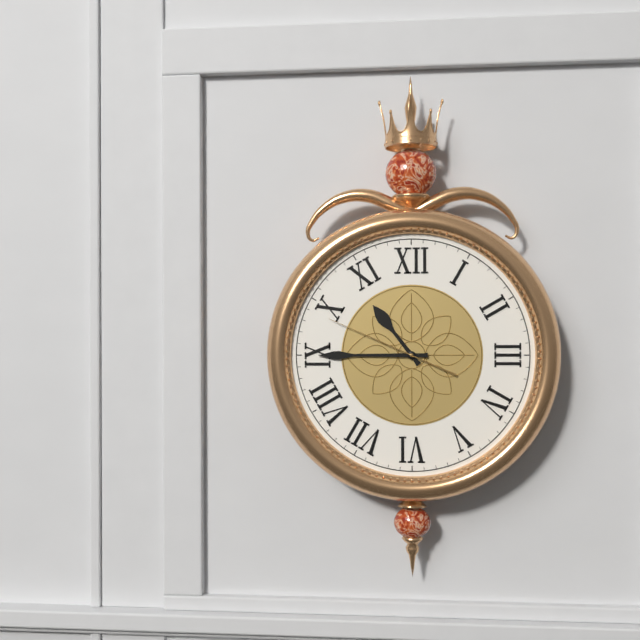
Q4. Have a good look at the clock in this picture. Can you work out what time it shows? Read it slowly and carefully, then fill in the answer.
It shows 10:45:49
